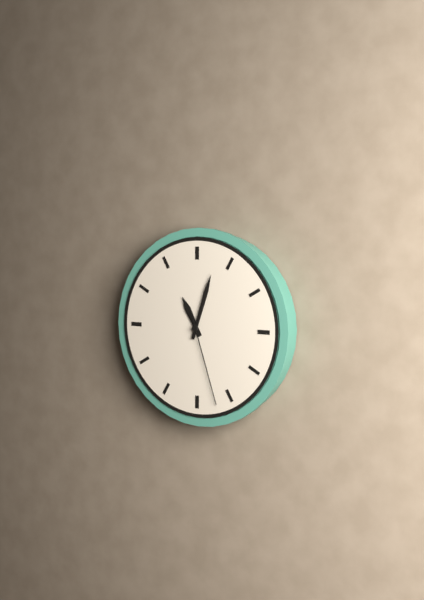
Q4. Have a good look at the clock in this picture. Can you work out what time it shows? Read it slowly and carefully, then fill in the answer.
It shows 11:03:27
